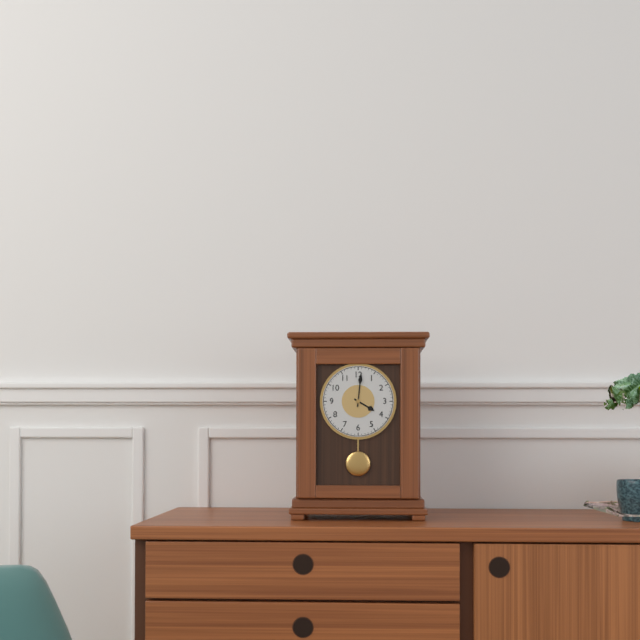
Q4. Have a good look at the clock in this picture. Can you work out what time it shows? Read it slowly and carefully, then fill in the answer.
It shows 4:01
